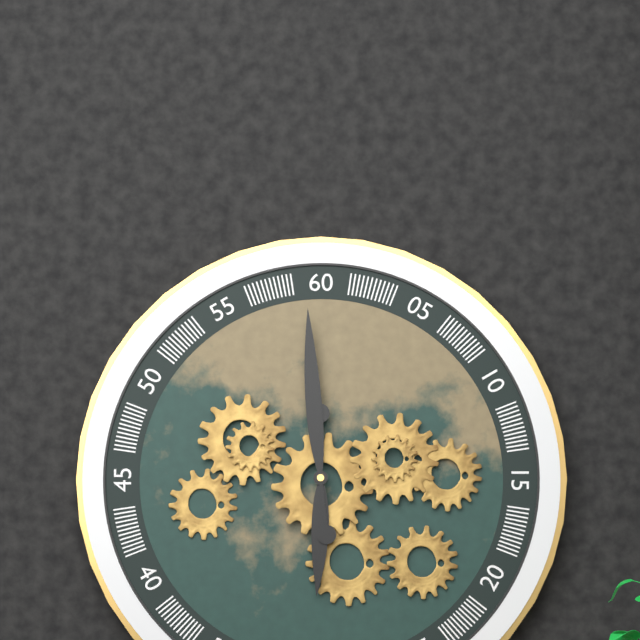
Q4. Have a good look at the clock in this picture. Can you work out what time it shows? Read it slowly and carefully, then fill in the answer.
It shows 5:59
